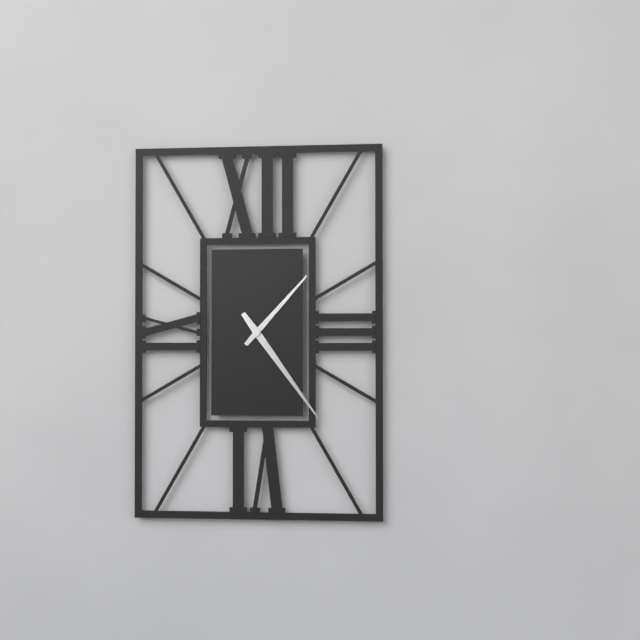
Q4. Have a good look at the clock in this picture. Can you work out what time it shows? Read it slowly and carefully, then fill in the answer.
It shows 1:24
